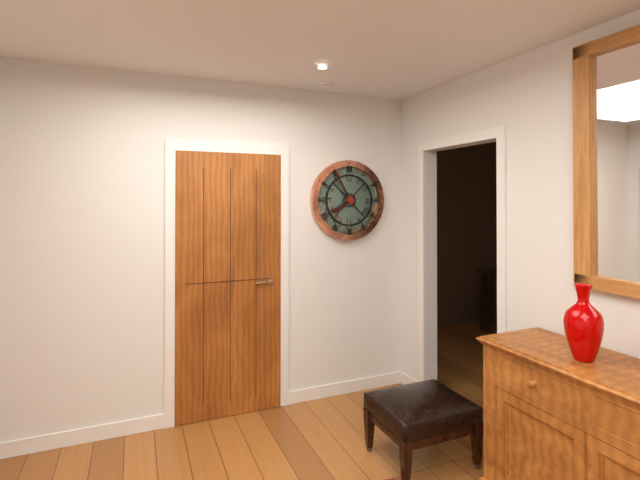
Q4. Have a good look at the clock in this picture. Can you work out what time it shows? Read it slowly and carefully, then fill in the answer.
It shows 7:55
